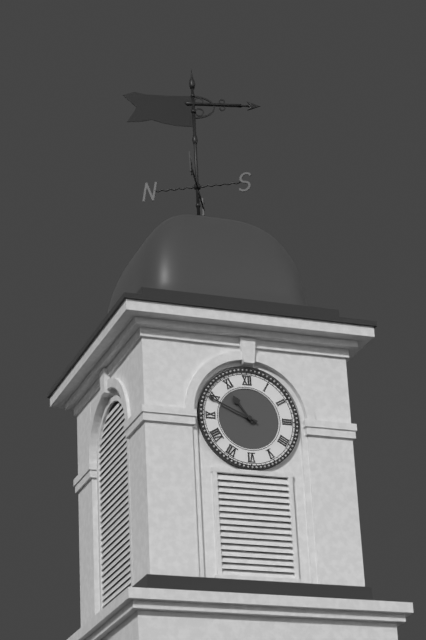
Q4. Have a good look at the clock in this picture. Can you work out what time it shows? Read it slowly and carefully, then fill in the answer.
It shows 10:49
